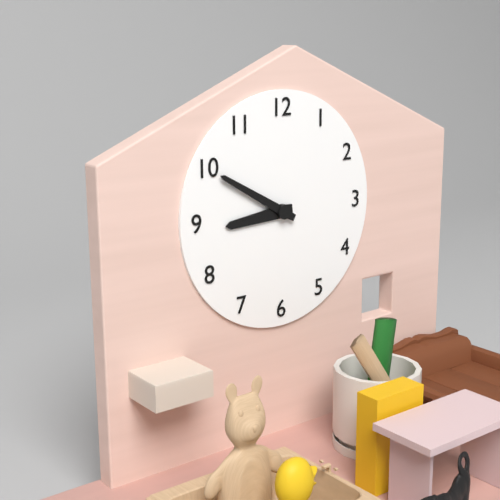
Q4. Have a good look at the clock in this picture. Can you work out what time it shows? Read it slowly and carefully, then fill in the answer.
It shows 8:50
